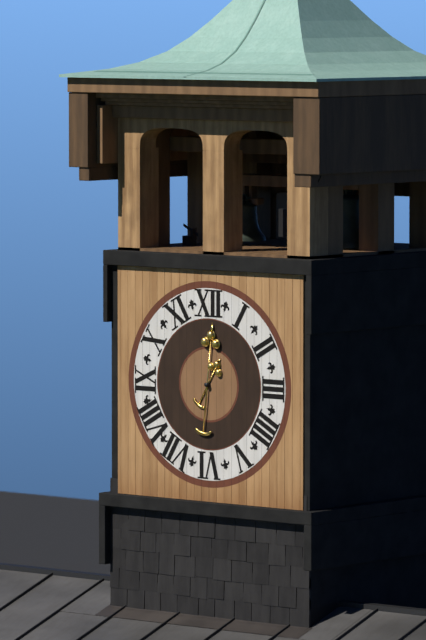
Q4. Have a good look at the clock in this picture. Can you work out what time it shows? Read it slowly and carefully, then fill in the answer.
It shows 1:01
